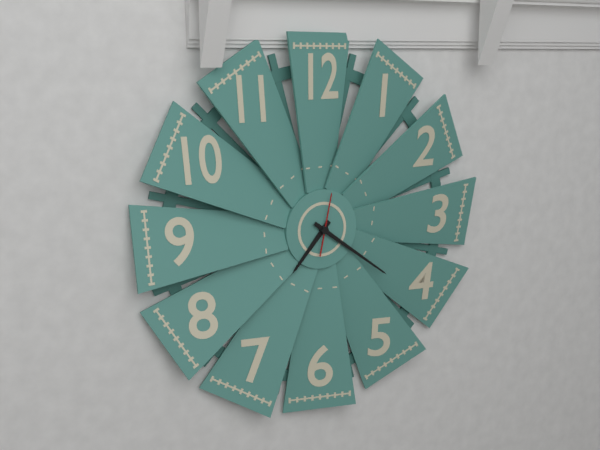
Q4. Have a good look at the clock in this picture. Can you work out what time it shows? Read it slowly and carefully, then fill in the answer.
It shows 7:21
